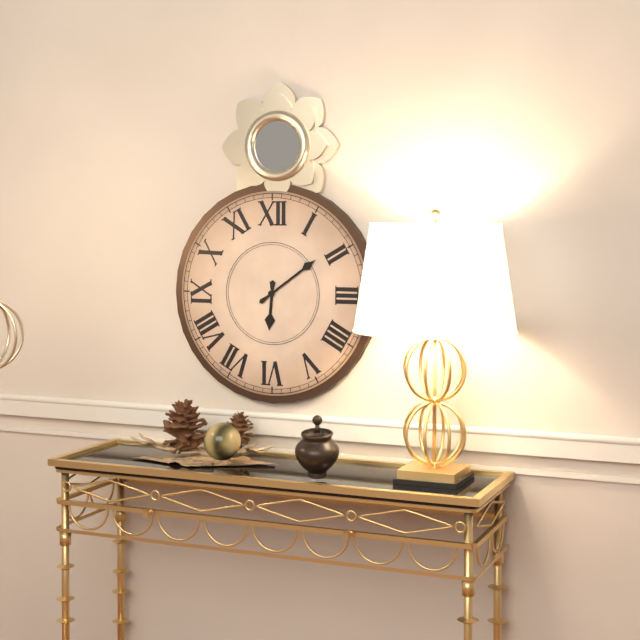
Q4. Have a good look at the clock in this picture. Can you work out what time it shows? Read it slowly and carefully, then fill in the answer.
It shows 6:09
